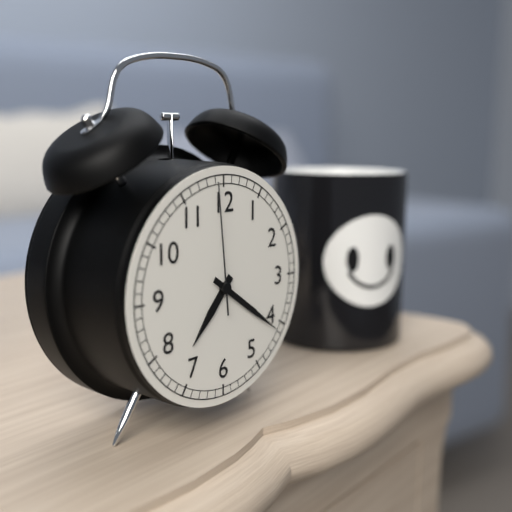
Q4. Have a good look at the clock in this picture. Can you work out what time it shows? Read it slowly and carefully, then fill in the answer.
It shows 7:21:59
